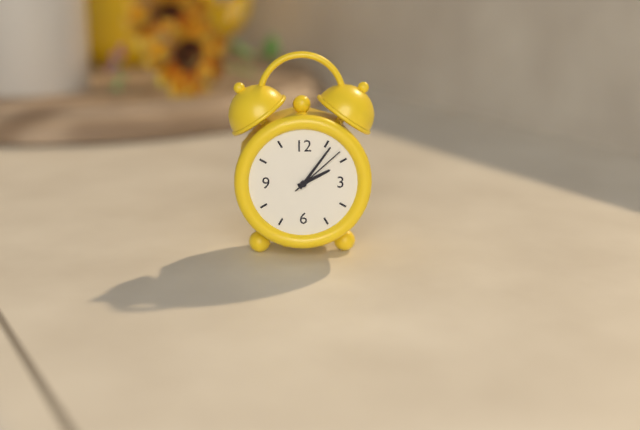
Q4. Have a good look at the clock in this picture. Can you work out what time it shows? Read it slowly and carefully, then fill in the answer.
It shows 2:06:08
